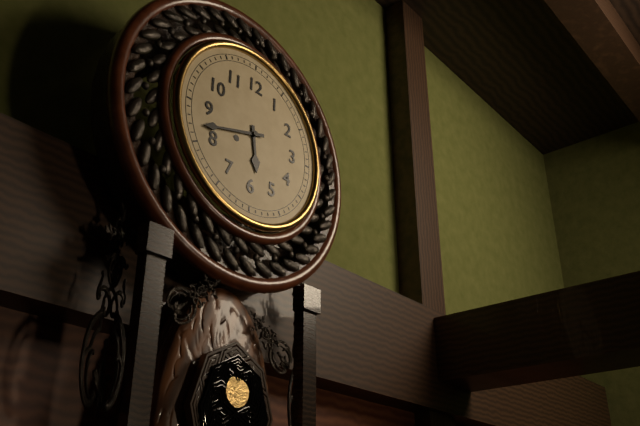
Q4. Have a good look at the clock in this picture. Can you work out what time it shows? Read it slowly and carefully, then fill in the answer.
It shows 5:42
